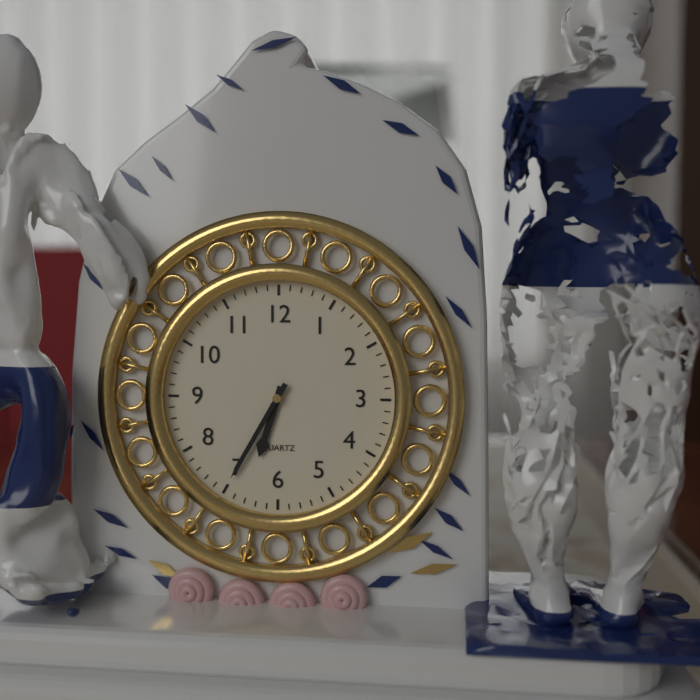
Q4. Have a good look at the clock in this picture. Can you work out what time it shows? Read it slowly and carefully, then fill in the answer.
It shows 6:35
